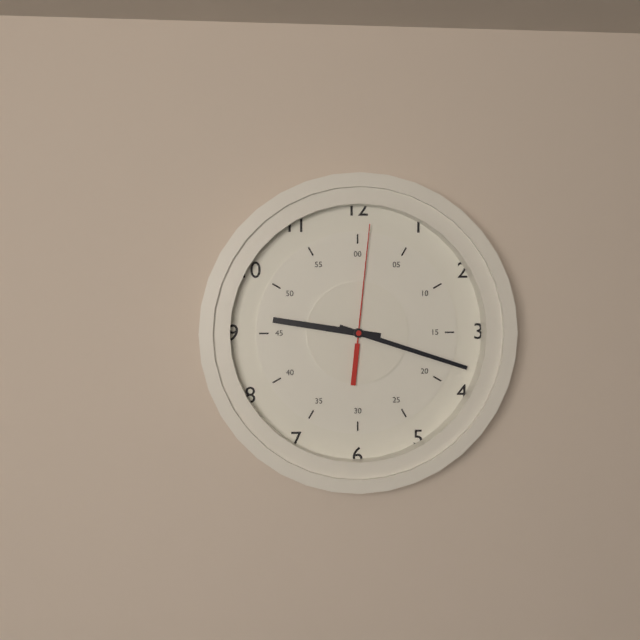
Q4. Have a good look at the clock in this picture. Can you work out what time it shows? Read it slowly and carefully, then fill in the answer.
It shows 9:18:01
